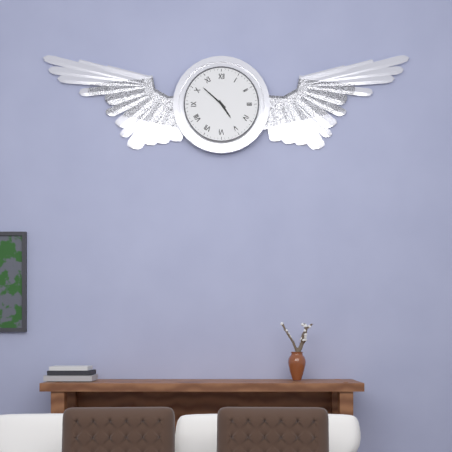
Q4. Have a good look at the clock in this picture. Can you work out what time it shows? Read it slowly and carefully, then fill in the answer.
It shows 4:52
